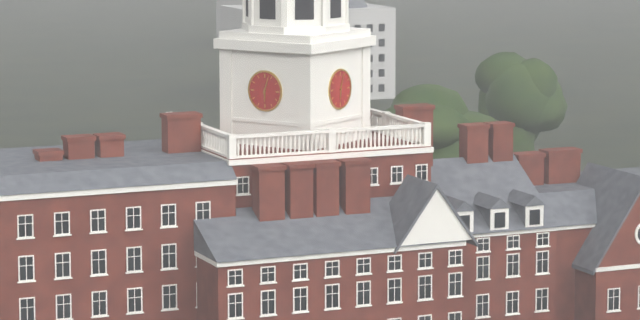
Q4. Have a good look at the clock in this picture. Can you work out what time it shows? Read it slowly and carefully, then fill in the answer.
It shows 6:03
